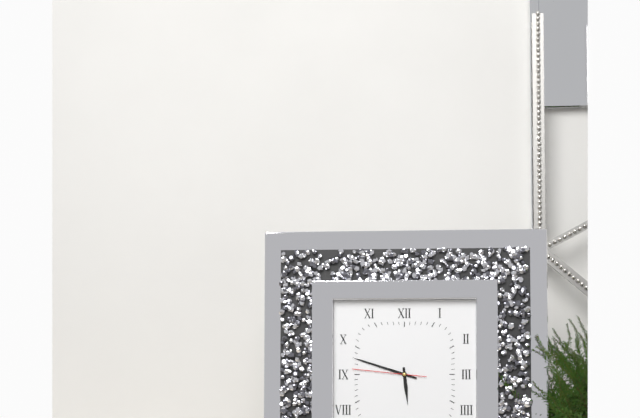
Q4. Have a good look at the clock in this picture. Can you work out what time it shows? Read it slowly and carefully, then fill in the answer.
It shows 5:48:46
